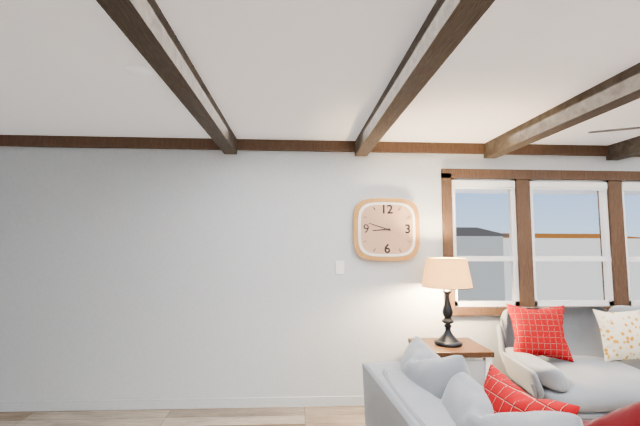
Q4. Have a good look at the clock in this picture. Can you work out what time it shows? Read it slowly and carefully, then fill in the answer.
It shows 8:48
